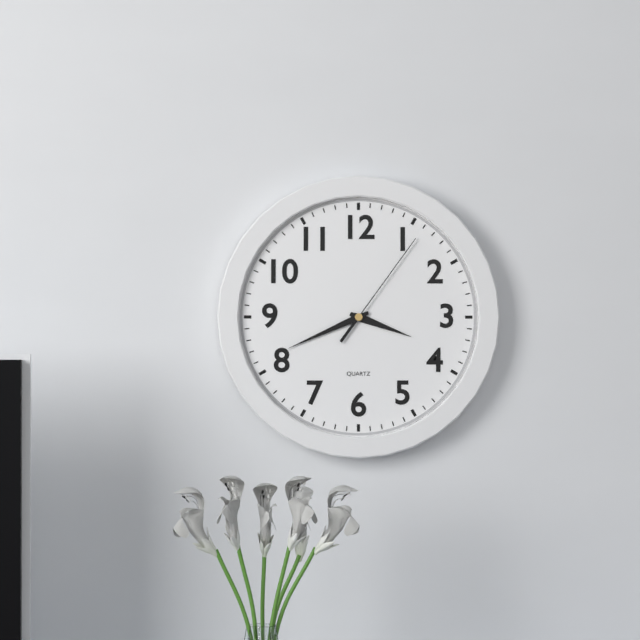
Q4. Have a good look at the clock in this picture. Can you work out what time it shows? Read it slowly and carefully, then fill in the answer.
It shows 3:41:06
